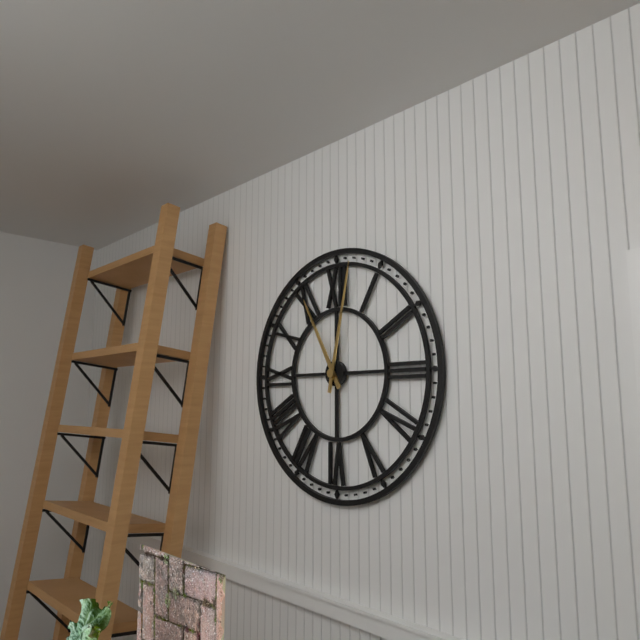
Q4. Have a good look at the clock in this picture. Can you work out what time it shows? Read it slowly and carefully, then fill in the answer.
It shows 11:02
